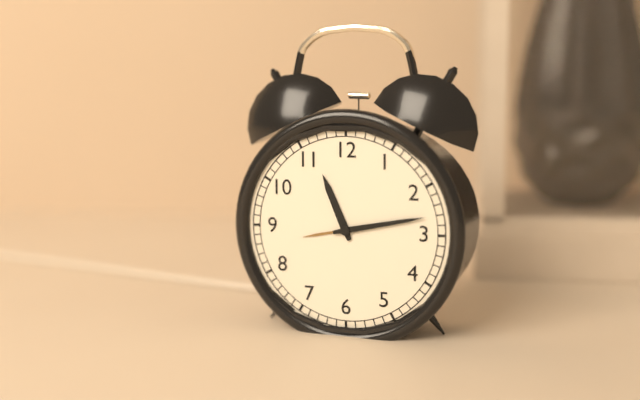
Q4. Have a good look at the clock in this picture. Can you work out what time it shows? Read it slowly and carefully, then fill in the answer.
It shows 11:13
